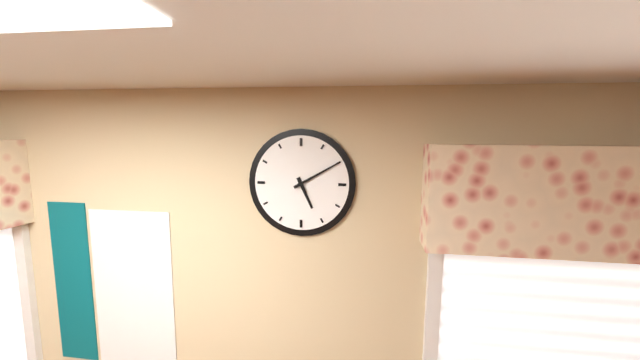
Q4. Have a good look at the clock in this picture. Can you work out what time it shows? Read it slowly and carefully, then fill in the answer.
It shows 5:10
